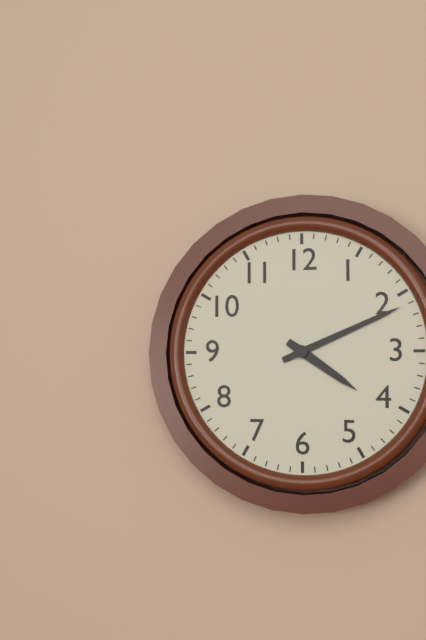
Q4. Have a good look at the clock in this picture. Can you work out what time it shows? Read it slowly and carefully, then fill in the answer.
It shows 4:11
